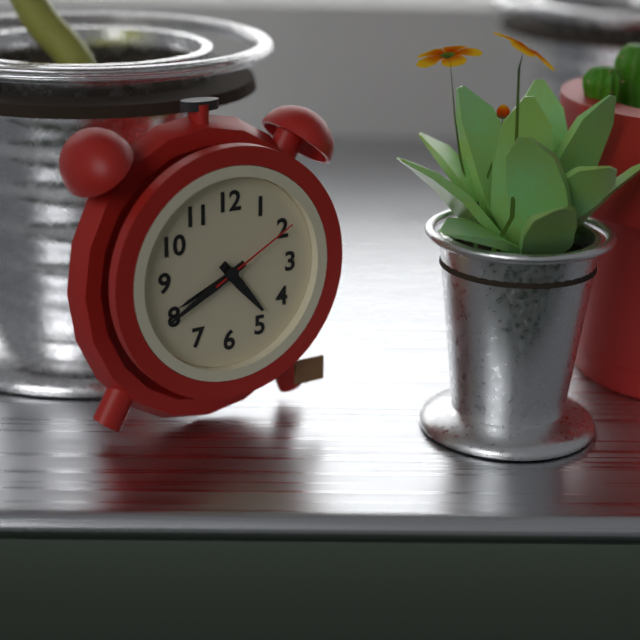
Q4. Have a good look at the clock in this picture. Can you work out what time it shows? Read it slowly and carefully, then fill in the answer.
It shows 4:40:10
